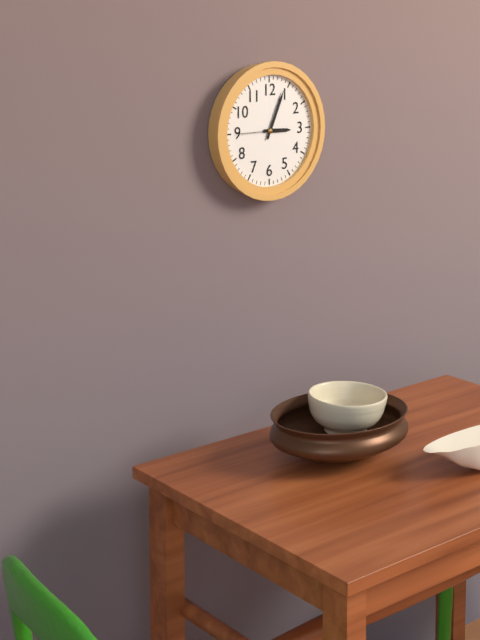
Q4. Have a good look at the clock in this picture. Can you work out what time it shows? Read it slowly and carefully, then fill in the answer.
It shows 3:04
